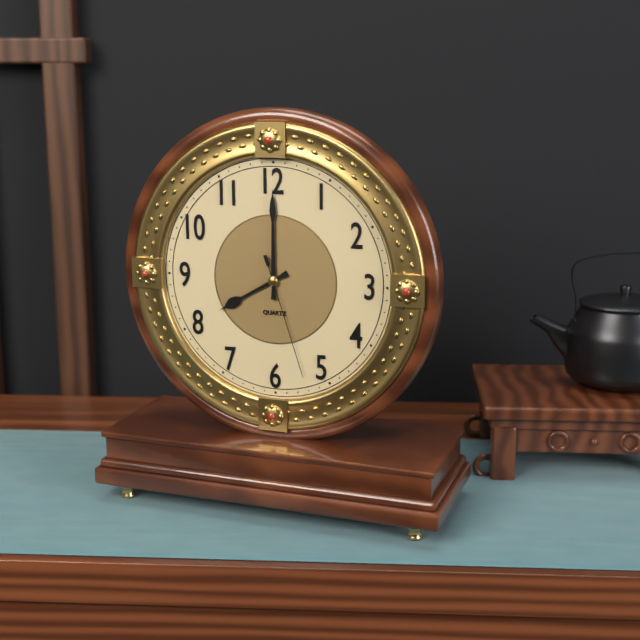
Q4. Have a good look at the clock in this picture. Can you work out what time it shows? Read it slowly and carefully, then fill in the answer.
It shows 8:00:27
